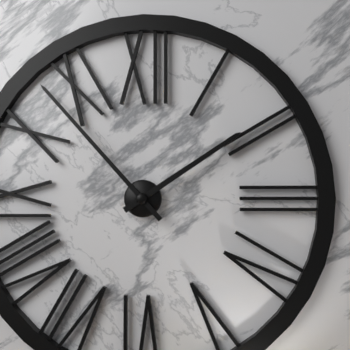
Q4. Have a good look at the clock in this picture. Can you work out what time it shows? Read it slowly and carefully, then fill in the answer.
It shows 1:53
